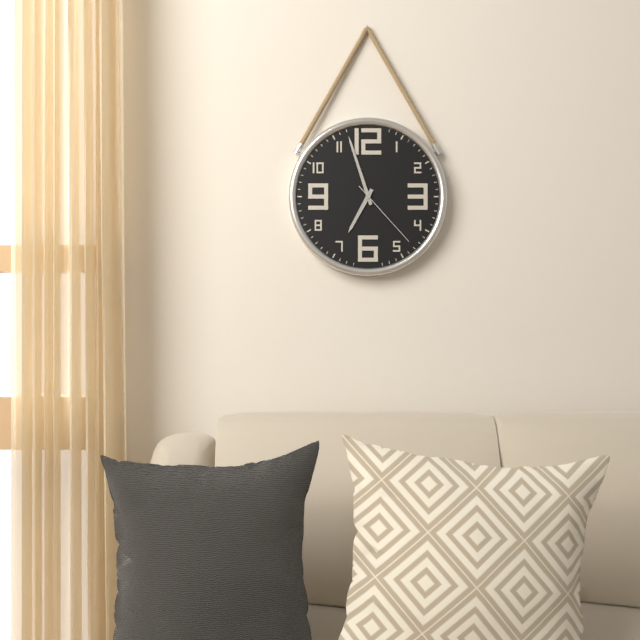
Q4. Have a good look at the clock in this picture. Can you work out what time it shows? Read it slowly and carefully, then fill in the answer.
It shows 6:57:23
